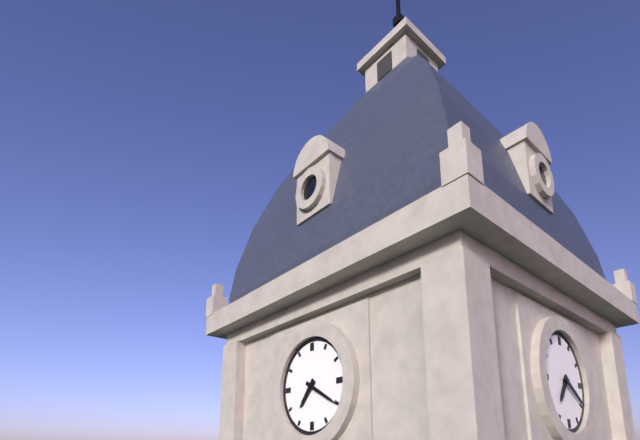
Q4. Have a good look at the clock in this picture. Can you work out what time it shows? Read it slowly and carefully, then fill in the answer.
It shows 7:20
